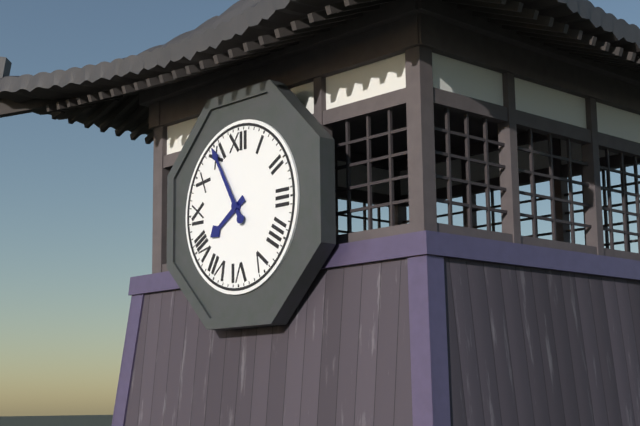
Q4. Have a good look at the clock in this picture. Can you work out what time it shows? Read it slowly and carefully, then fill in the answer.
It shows 7:55
